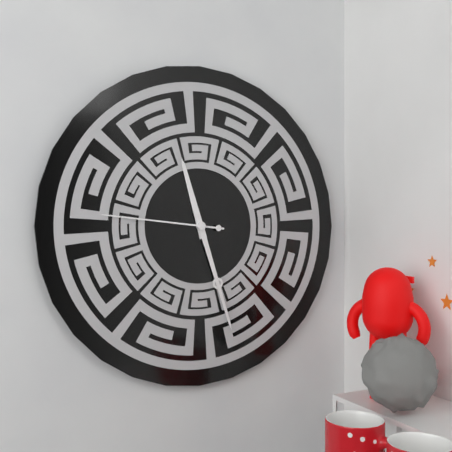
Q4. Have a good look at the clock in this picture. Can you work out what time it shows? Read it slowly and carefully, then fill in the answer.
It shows 11:27:46
